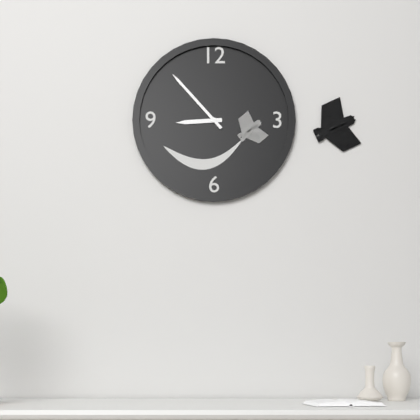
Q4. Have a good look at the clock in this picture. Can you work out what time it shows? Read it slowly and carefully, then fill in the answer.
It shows 8:53
